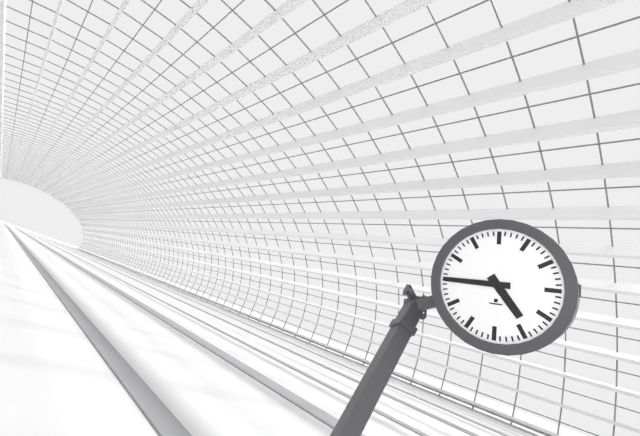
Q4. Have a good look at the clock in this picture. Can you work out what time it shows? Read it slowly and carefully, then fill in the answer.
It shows 4:45
